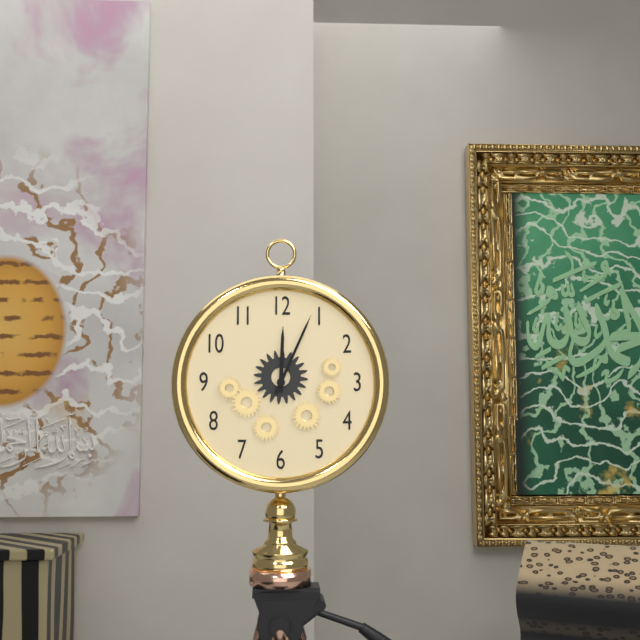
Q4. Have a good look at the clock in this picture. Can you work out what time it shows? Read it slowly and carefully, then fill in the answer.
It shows 12:04
